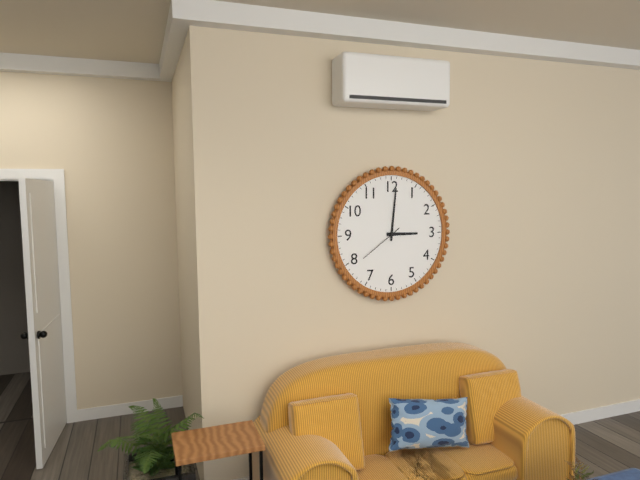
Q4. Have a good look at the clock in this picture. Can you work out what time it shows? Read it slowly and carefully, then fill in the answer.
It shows 3:01
